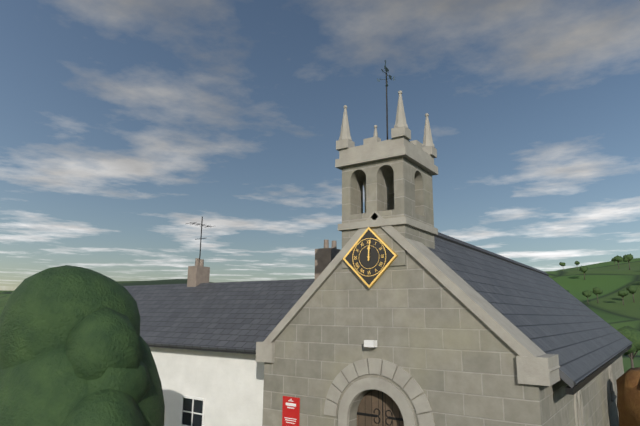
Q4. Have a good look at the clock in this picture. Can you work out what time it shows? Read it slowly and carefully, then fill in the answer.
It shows 12:01
